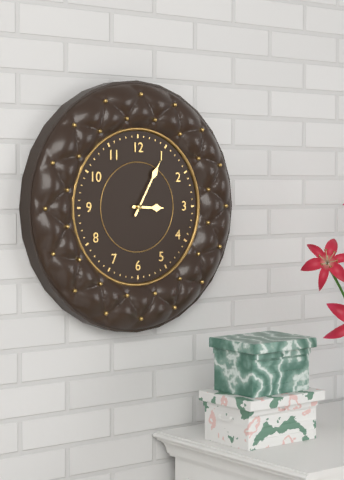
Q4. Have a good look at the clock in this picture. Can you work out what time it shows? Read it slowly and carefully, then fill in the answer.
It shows 3:05
